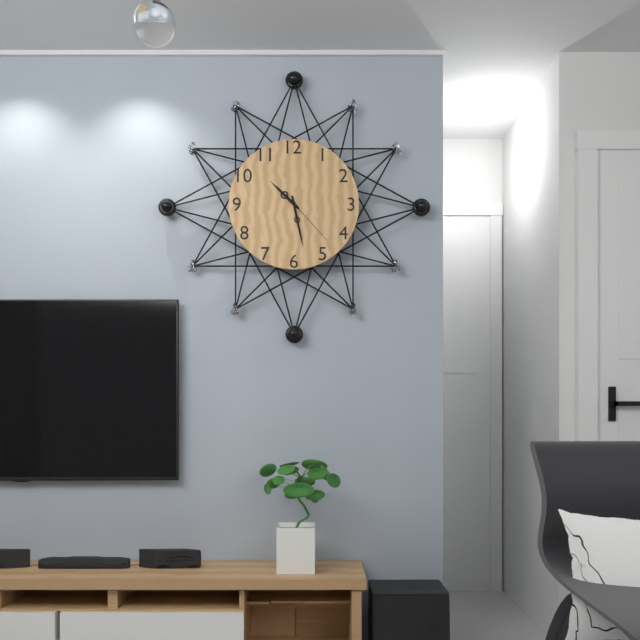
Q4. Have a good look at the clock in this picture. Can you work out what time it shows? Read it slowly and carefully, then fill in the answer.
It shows 10:28:23
